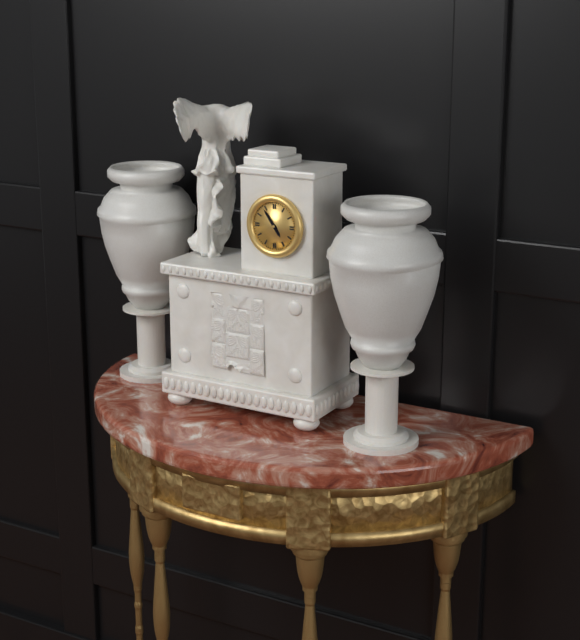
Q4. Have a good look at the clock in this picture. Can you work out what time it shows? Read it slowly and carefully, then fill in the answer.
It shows 4:54
